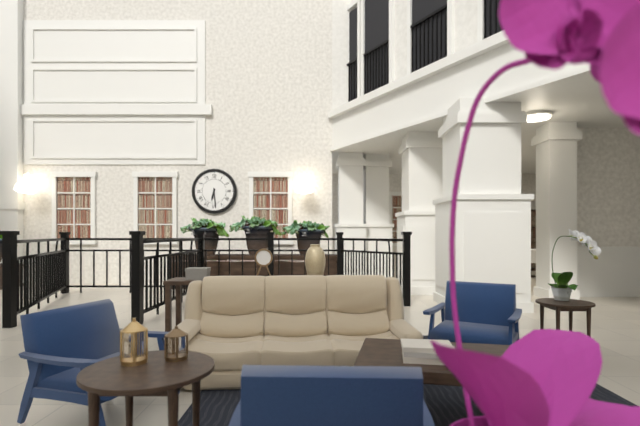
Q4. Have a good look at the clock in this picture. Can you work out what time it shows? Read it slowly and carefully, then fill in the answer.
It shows 6:29
